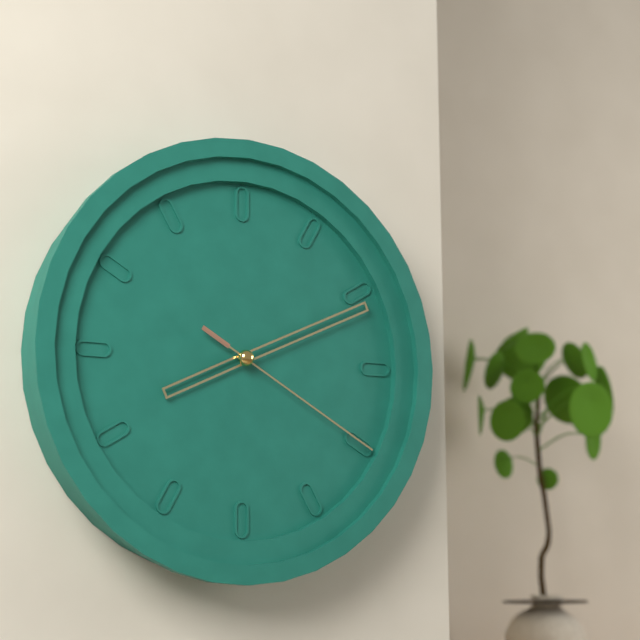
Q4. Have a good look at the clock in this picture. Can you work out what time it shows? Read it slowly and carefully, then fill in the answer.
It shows 8:11:20
